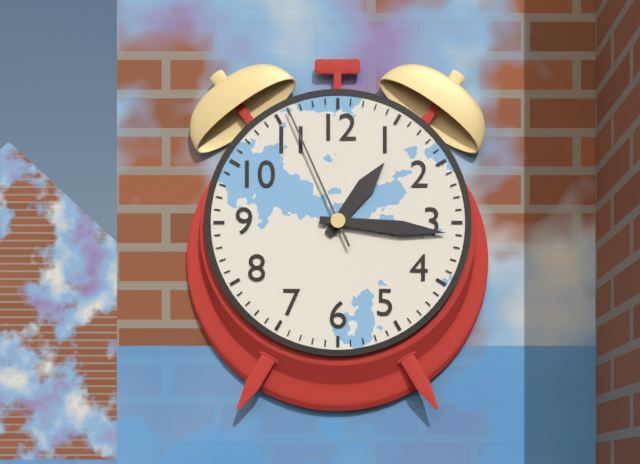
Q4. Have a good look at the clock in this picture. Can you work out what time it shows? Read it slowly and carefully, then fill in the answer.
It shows 1:16:56
